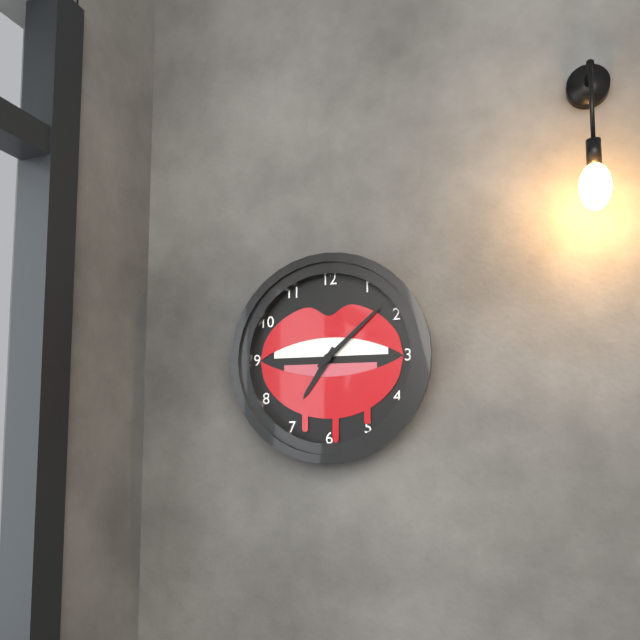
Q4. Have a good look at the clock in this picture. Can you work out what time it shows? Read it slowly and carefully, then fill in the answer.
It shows 7:08
